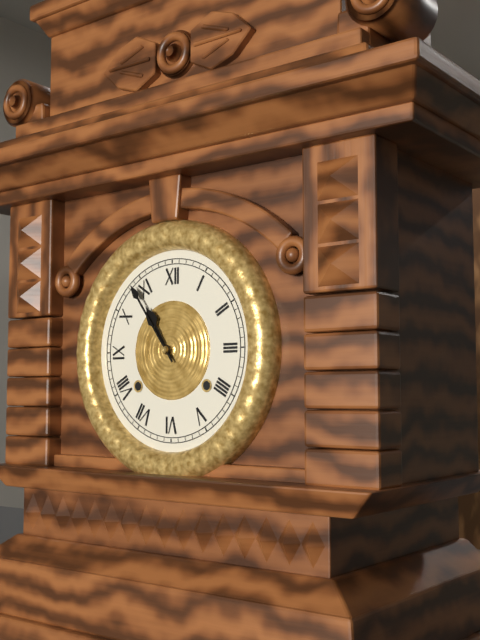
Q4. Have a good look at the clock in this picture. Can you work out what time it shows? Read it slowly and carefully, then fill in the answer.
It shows 10:54
